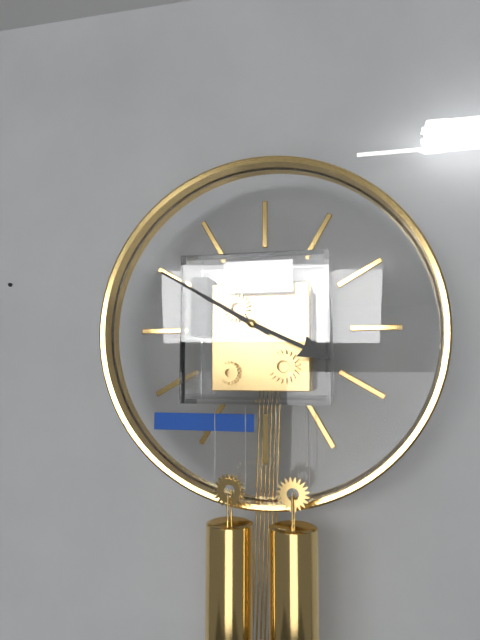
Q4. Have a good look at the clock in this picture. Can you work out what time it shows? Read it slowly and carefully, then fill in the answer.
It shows 3:50
